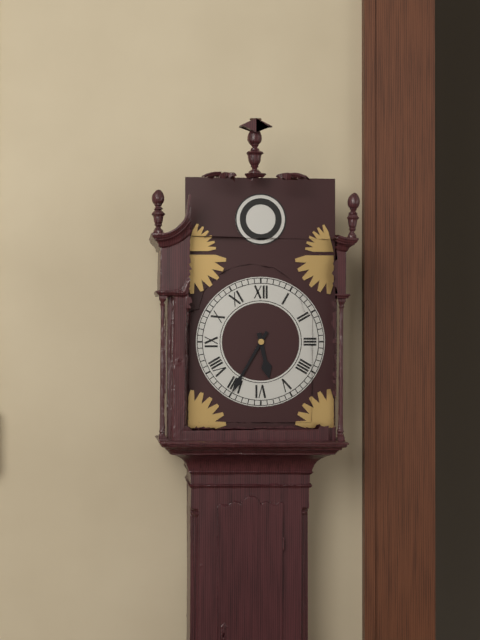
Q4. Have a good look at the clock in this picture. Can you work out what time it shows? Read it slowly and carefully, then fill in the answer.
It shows 5:35
